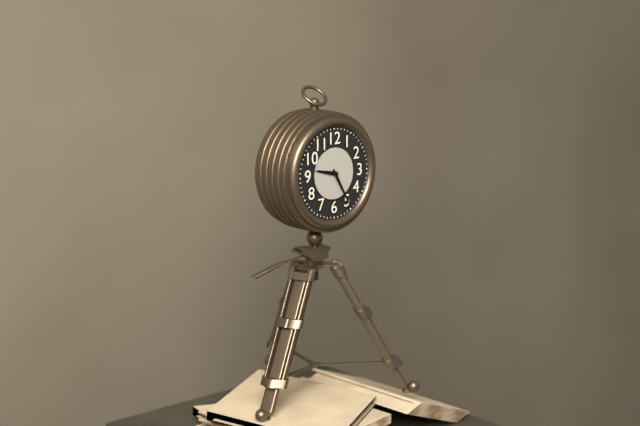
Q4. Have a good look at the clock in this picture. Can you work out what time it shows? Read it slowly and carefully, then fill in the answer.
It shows 9:25
